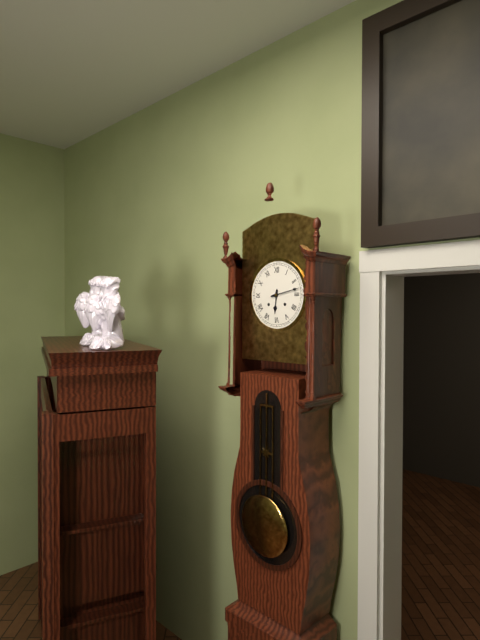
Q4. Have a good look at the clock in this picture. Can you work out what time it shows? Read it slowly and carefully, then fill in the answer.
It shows 6:13
